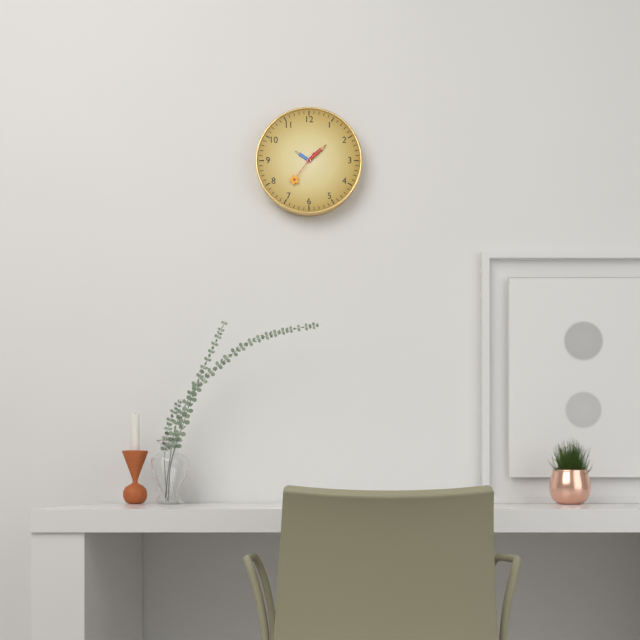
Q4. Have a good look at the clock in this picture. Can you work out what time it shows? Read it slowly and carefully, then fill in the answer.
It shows 10:08
